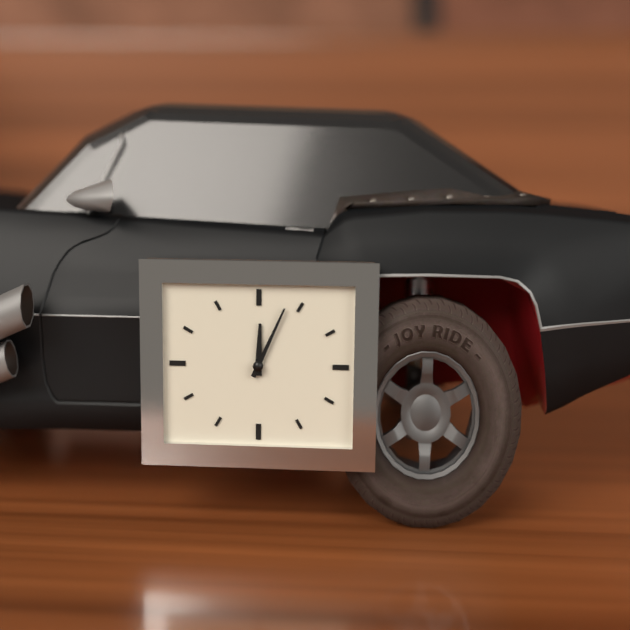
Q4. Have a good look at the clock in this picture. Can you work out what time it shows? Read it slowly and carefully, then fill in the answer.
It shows 12:04
